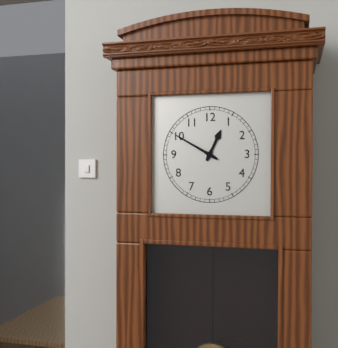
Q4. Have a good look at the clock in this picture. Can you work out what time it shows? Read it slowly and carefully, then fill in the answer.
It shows 12:50
